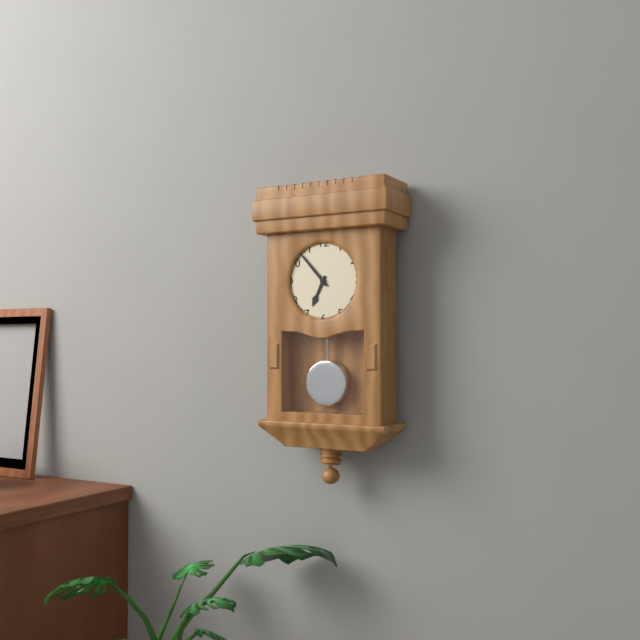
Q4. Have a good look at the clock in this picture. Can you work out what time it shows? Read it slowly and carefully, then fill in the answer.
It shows 6:53
